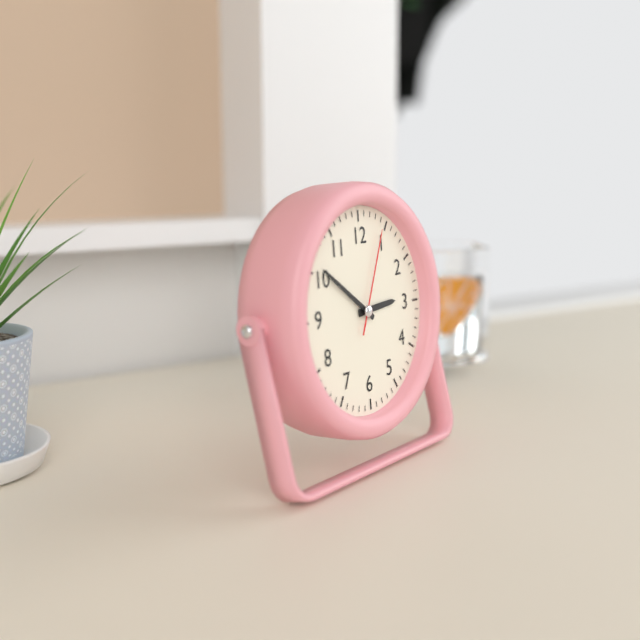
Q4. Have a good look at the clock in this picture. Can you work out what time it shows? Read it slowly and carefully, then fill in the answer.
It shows 2:51:04
